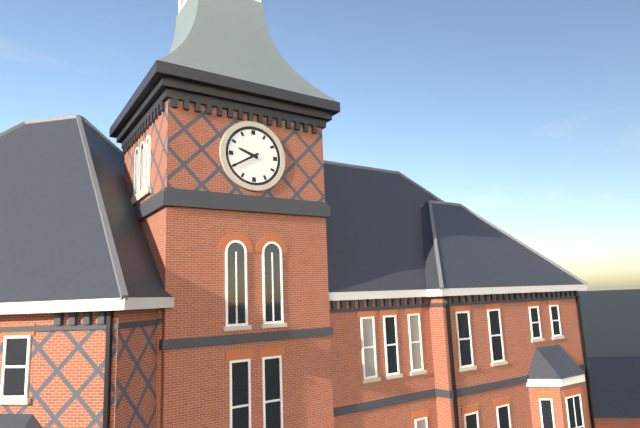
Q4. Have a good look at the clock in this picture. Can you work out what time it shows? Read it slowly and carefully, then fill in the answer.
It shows 9:40
